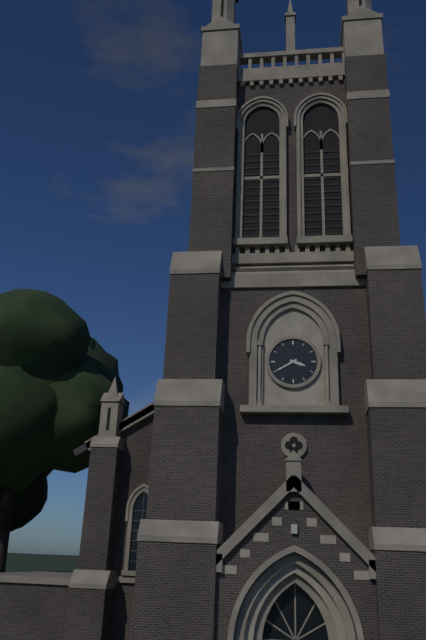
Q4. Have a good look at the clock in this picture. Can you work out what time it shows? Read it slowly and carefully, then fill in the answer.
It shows 3:40
